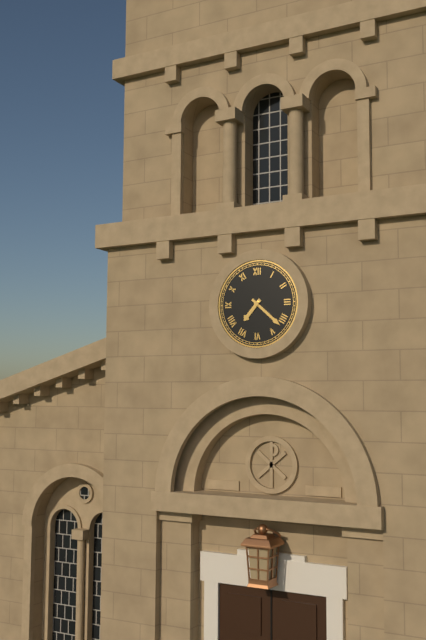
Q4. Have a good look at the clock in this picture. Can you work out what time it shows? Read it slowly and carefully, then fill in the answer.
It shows 7:22
